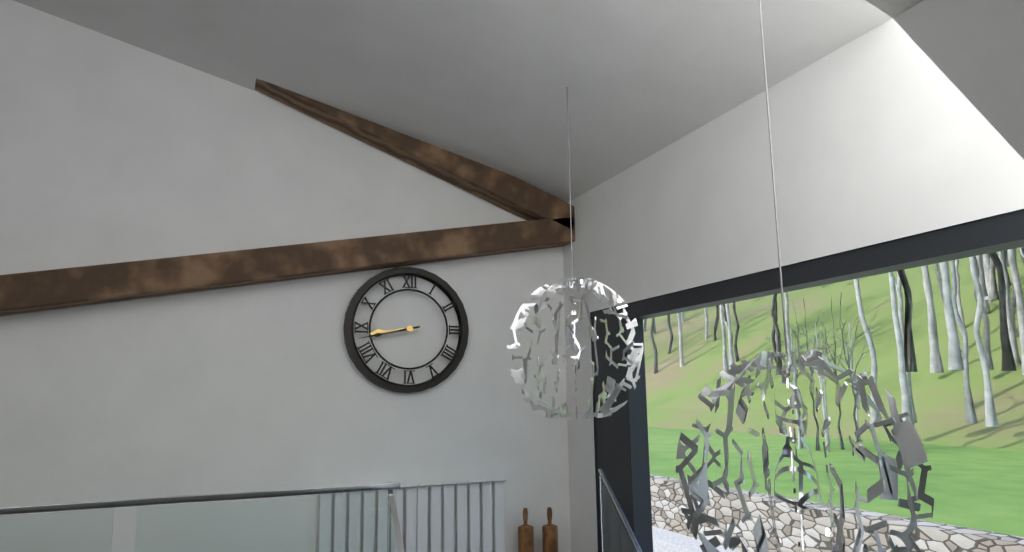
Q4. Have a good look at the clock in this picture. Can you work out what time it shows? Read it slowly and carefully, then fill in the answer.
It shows 8:43
